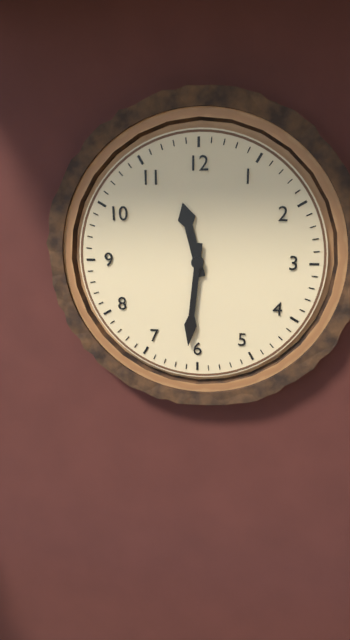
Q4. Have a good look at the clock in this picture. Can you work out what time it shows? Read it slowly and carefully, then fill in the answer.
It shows 11:31
